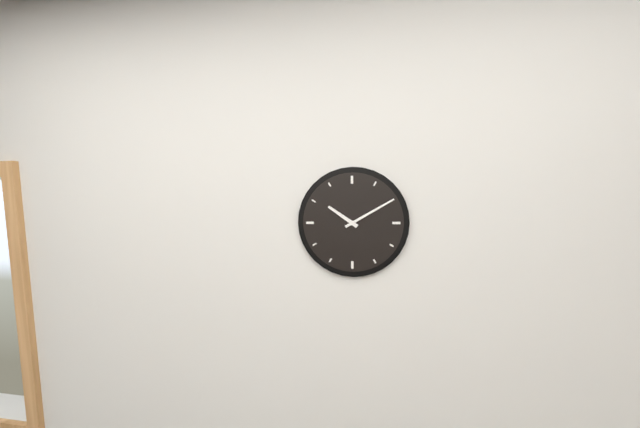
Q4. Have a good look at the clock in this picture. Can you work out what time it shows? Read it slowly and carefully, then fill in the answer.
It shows 10:10
